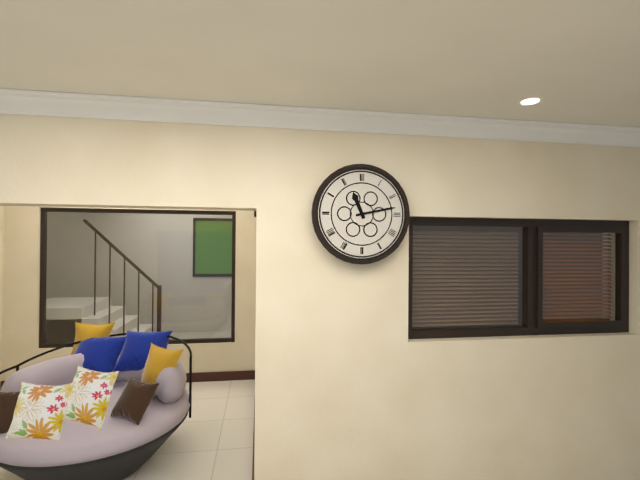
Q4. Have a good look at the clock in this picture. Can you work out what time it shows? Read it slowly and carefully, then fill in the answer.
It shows 11:13
